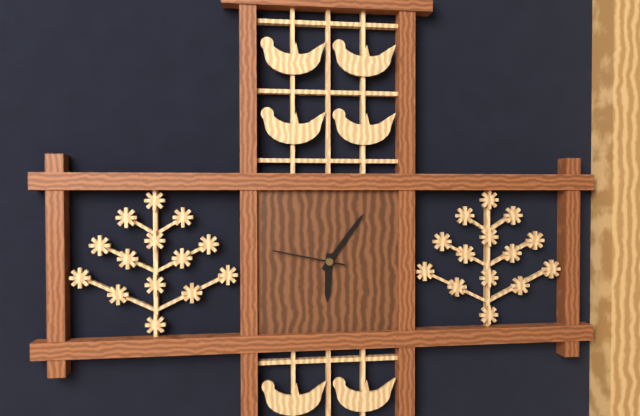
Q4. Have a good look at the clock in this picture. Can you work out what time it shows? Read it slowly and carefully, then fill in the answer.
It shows 6:06:47
